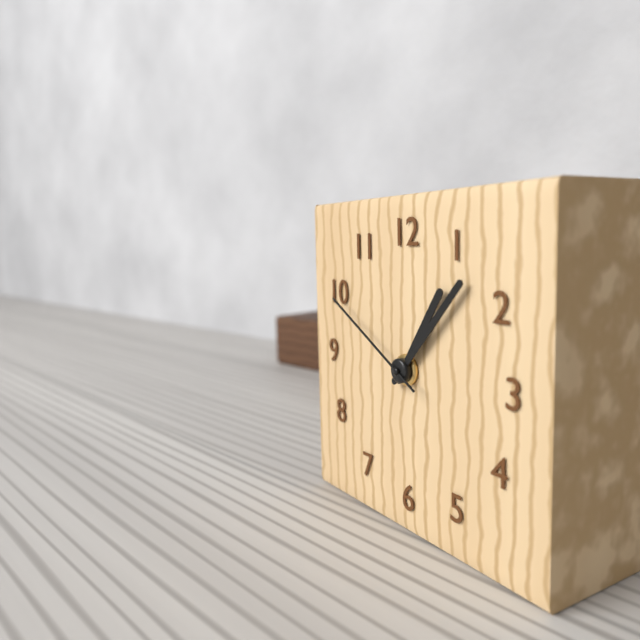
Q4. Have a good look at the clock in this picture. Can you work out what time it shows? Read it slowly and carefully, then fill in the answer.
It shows 1:07:50
